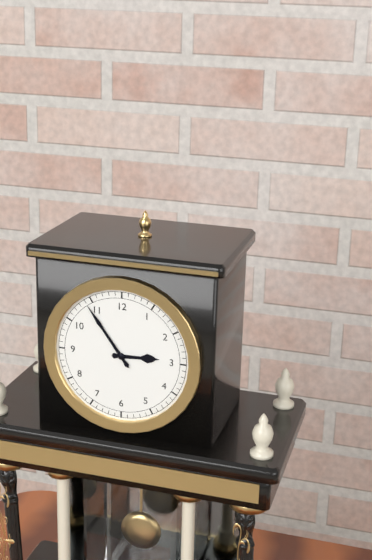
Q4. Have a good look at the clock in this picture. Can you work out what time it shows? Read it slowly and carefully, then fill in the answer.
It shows 2:54
